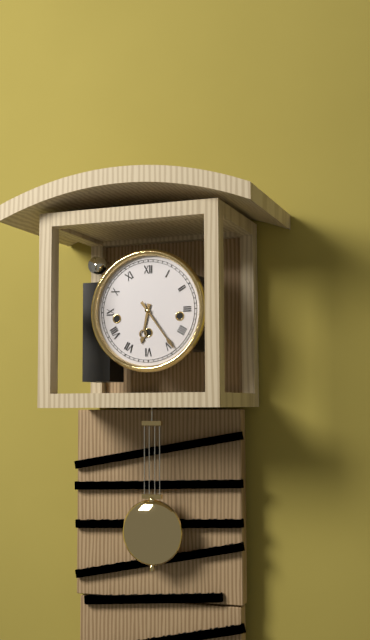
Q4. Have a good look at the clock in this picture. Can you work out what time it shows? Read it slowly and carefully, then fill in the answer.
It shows 6:24
